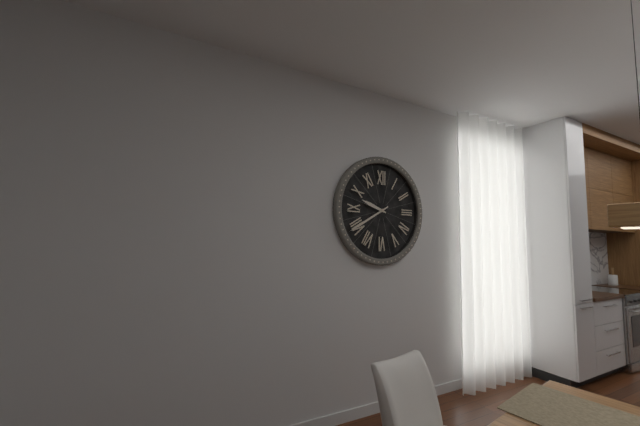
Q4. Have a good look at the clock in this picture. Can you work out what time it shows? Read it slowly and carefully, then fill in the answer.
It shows 9:40
